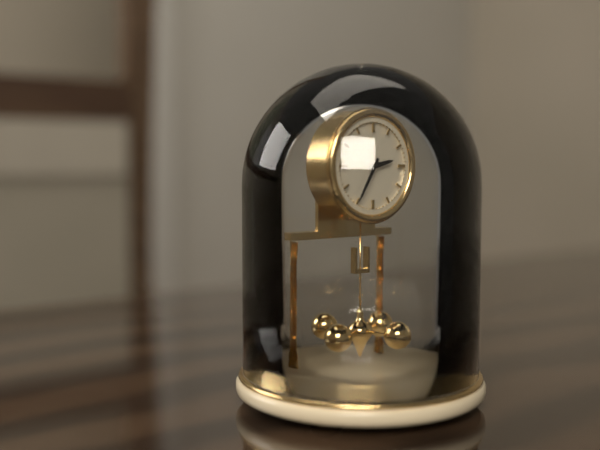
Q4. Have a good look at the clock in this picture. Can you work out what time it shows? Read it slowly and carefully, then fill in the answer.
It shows 2:35
